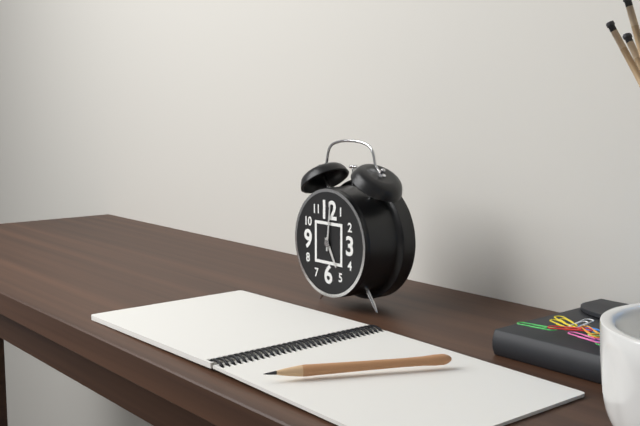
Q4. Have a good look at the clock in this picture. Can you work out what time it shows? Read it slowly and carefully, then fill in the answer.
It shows 5:01
